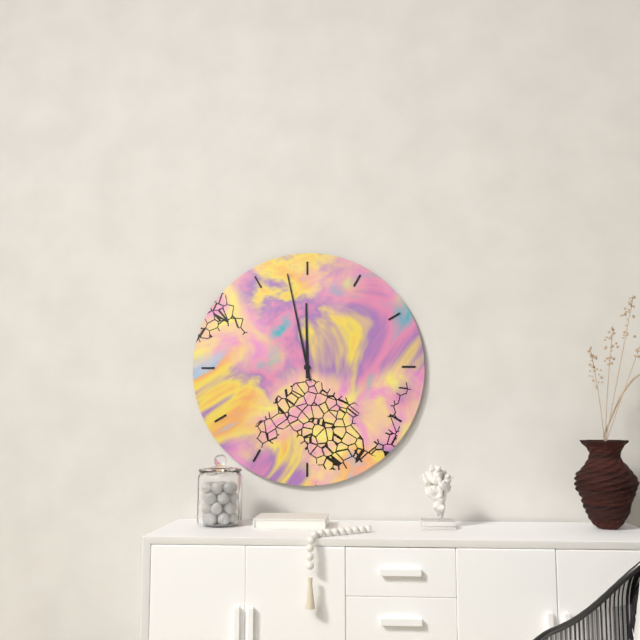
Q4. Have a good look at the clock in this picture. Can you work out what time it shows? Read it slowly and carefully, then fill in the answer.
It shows 11:58
